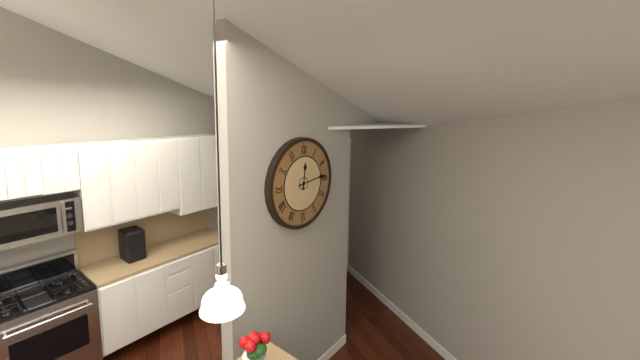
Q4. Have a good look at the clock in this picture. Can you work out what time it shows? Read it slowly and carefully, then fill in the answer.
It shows 12:14
